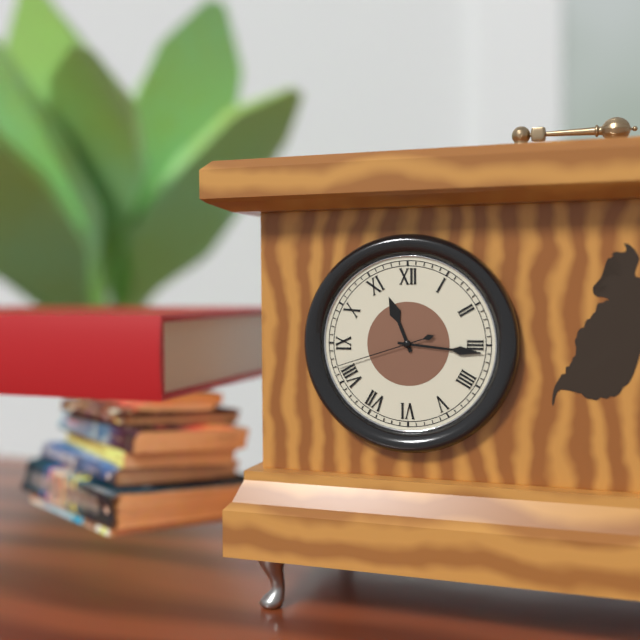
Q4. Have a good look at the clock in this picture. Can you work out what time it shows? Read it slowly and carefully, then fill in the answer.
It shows 11:16:42
